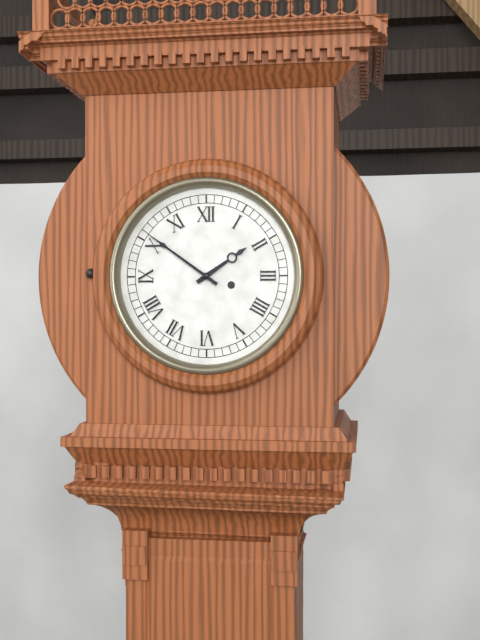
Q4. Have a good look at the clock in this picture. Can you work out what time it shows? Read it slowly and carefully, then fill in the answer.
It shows 1:51
